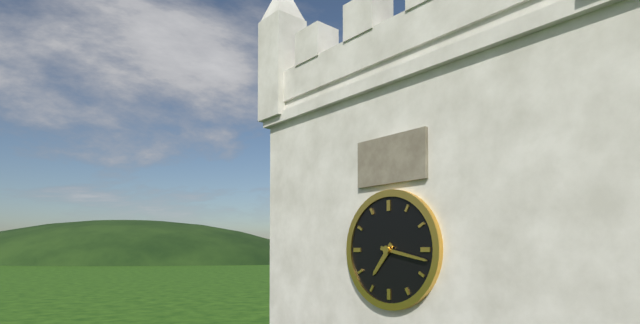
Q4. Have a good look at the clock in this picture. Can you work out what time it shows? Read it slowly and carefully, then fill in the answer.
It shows 7:17
